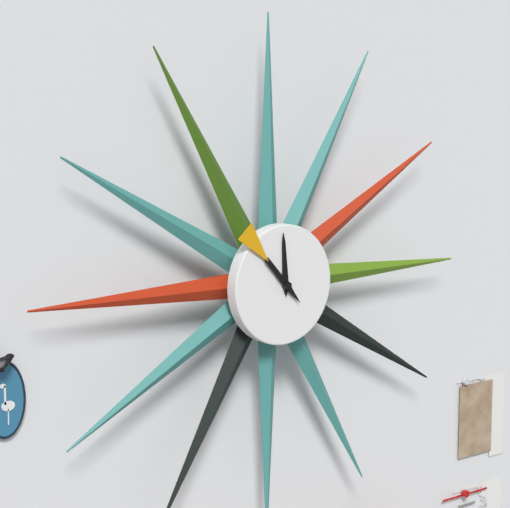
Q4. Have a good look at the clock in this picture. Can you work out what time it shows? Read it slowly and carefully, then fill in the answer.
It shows 11:53
